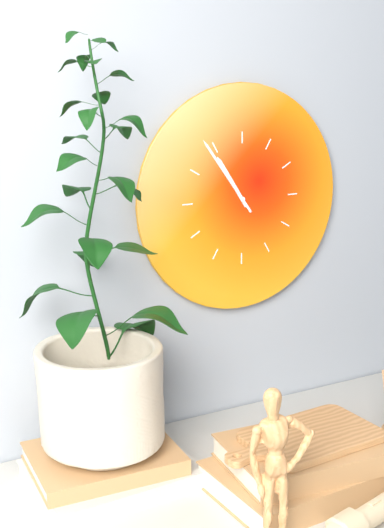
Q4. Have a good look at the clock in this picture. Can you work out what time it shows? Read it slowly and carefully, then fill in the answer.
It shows 10:54
